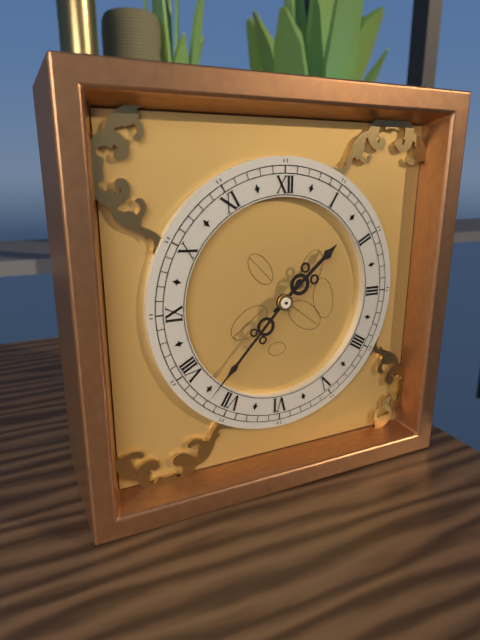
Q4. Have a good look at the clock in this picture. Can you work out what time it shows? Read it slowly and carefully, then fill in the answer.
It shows 1:37
